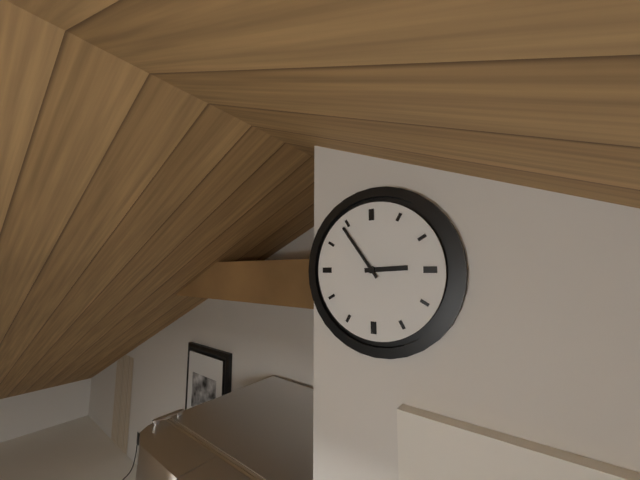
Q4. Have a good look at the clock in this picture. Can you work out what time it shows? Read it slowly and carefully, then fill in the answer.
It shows 2:54
